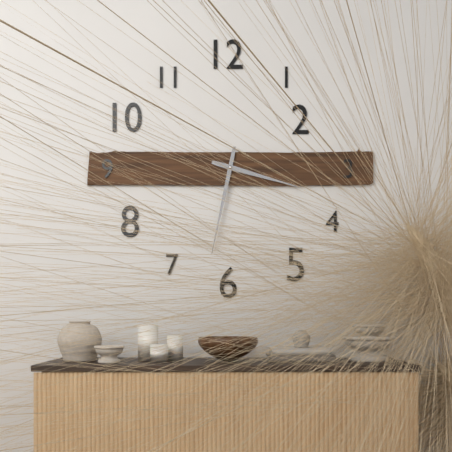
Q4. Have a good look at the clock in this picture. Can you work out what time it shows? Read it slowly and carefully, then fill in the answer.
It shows 3:32
